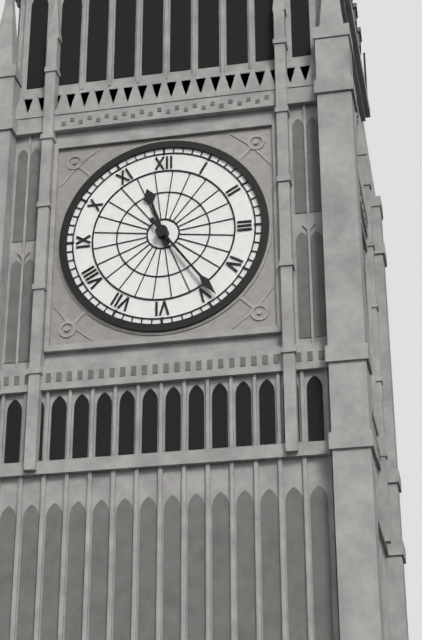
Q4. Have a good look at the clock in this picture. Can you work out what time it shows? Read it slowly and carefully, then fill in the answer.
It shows 11:24
